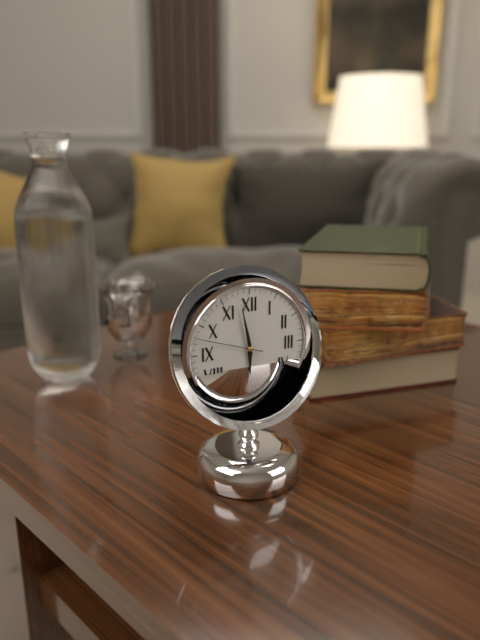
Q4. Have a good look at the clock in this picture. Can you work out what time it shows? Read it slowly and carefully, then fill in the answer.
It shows 5:58:48
